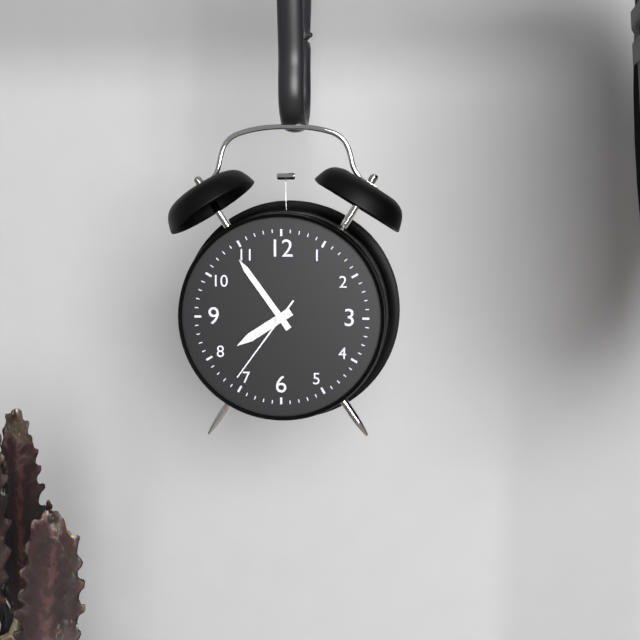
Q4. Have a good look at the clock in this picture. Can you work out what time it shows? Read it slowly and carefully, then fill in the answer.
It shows 7:54:36
